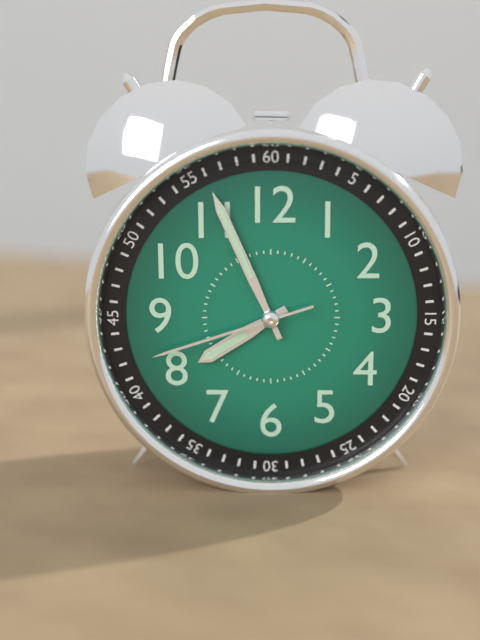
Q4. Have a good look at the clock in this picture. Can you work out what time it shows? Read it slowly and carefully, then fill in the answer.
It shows 7:56:42
